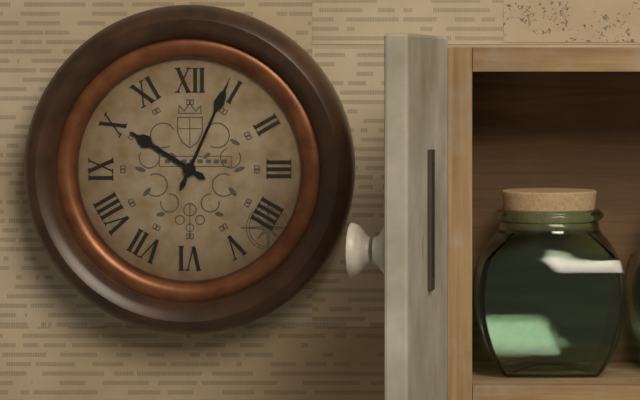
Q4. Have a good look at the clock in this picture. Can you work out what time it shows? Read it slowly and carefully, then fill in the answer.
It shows 10:04
